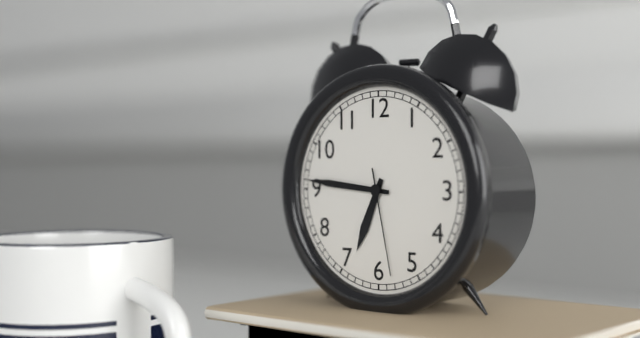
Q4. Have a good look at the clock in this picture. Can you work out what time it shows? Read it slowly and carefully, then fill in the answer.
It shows 6:46:28
